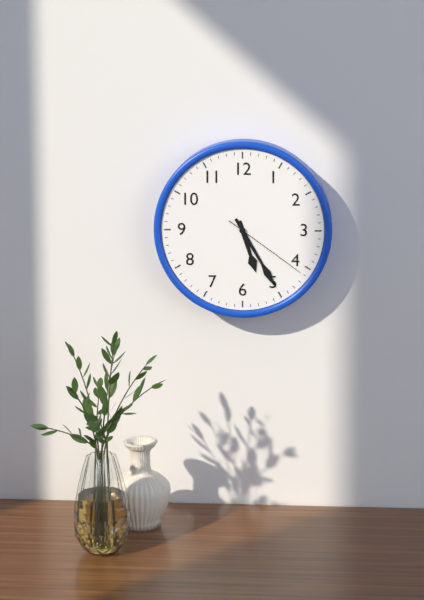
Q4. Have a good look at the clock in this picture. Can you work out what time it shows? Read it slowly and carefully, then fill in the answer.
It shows 5:25:21
